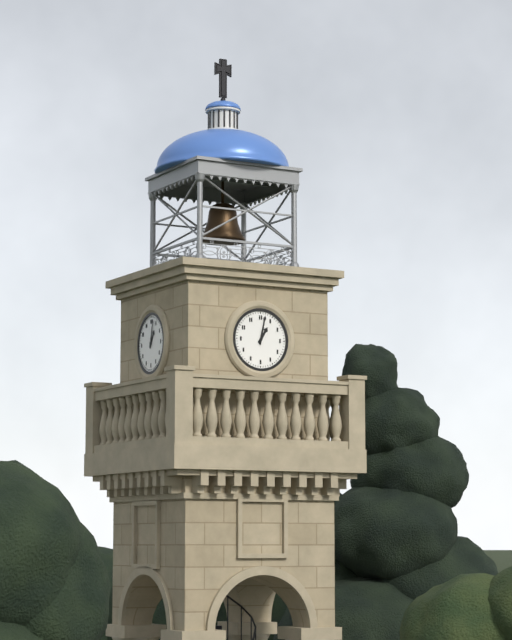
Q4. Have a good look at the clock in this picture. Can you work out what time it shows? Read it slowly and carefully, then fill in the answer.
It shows 1:02
